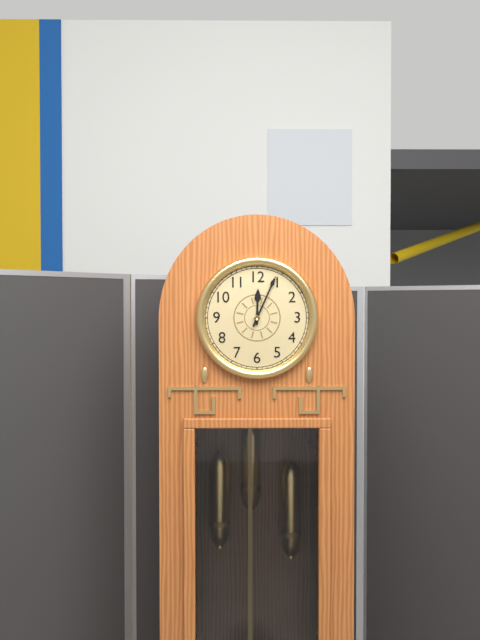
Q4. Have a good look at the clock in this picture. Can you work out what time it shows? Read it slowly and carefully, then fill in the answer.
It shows 12:04
